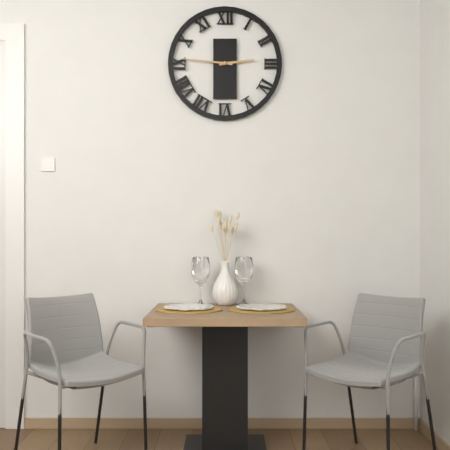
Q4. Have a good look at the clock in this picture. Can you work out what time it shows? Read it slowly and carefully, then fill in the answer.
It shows 2:46
